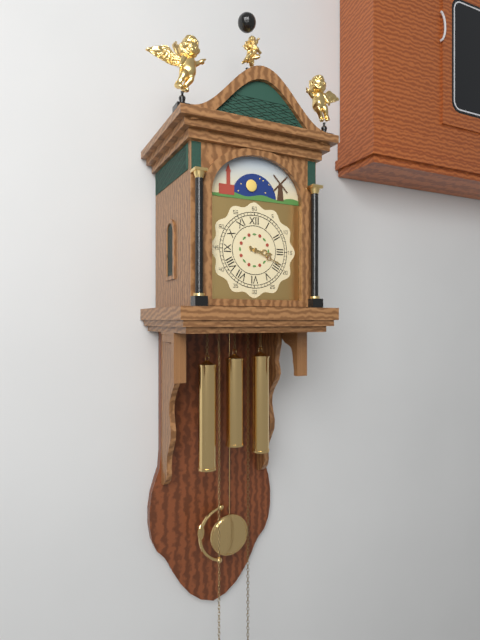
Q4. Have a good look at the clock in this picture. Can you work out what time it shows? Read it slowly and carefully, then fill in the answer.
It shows 3:19
